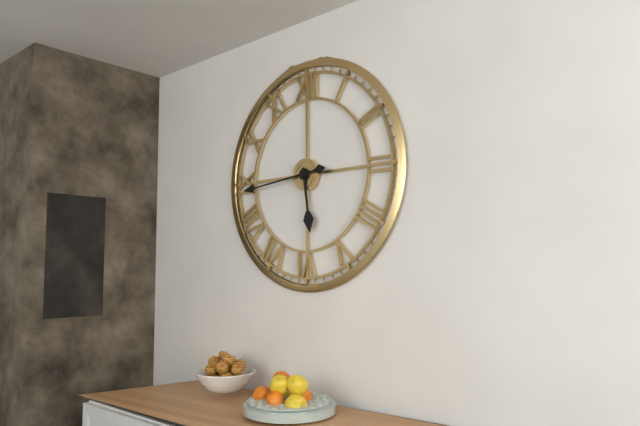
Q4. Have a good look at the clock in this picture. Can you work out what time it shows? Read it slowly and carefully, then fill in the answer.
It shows 5:44
